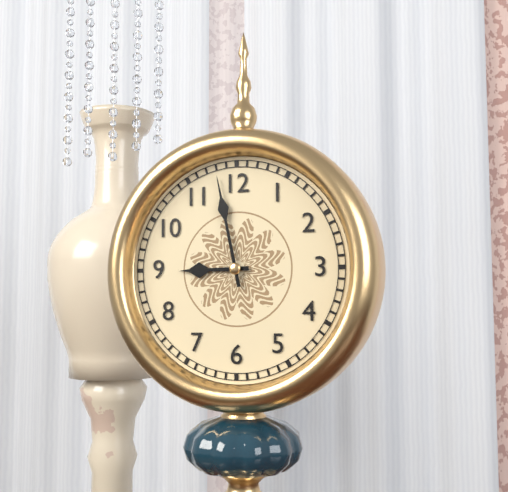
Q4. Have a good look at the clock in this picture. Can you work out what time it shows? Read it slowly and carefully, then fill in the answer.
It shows 8:58
